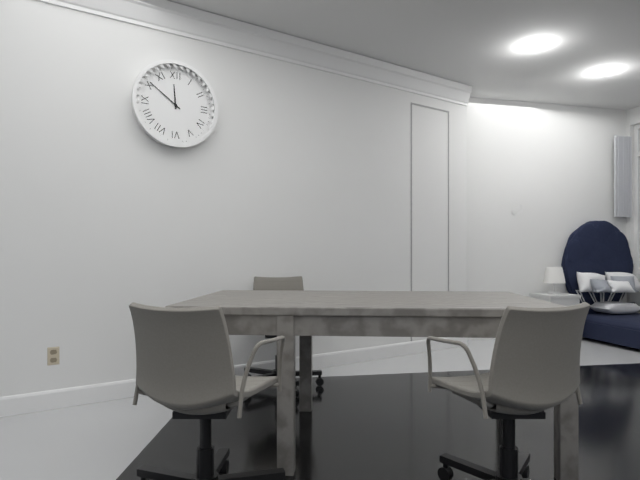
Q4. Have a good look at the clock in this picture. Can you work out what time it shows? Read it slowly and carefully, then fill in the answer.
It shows 11:51
